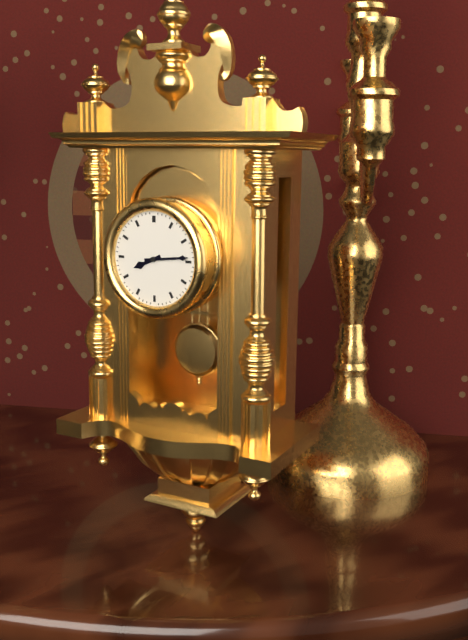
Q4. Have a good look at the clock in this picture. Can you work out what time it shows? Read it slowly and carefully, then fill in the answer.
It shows 8:14
